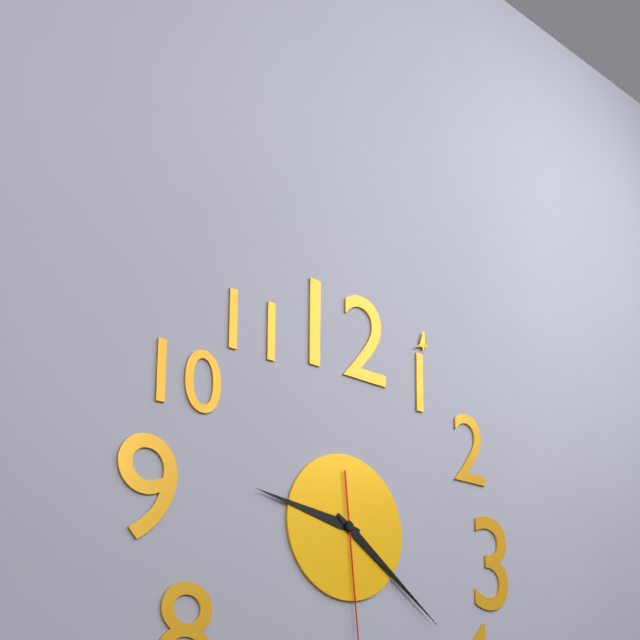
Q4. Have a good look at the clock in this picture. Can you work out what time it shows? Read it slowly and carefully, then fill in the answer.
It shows 9:21
